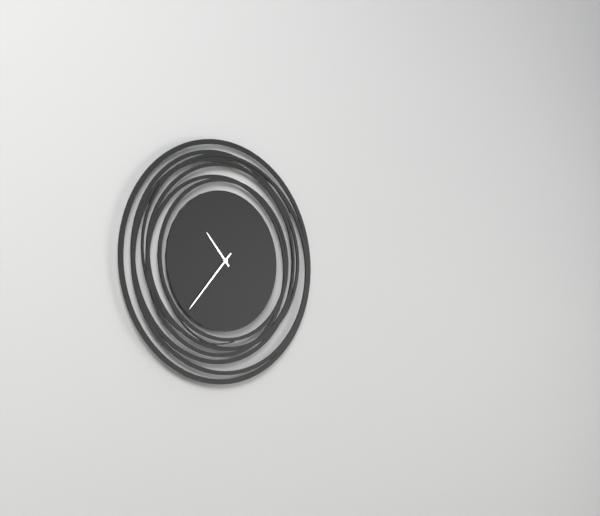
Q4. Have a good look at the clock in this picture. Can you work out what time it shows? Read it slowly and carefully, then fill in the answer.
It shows 10:37
